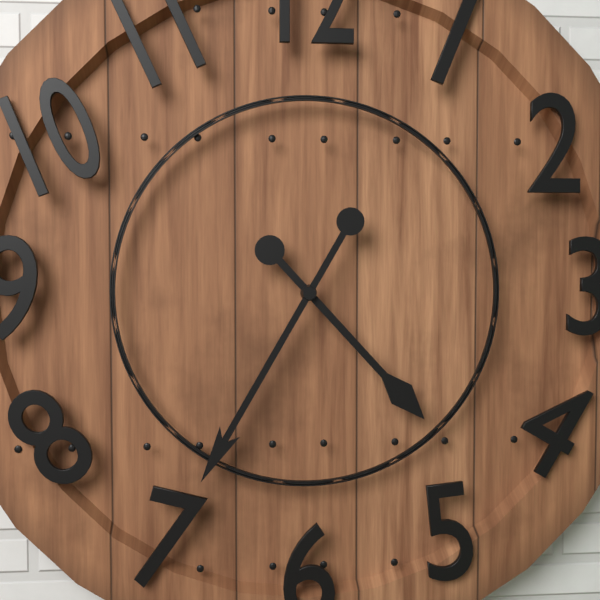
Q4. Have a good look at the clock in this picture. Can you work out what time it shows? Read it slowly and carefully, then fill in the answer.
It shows 4:35
